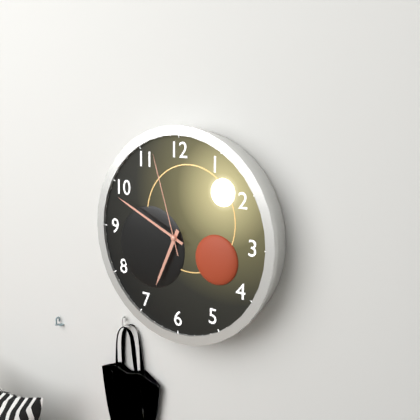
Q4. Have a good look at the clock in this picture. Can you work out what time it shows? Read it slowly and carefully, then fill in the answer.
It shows 6:49:57
